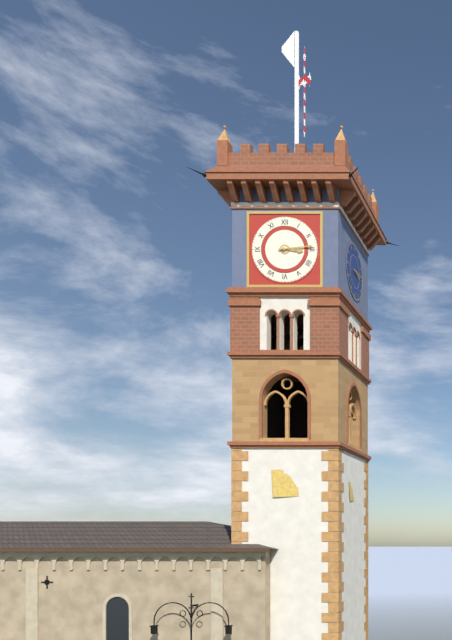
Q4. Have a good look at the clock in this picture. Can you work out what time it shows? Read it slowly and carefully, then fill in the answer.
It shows 3:14
